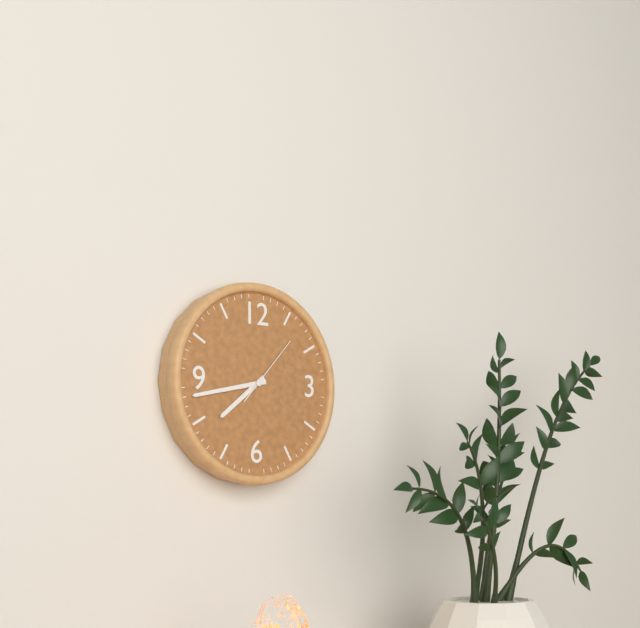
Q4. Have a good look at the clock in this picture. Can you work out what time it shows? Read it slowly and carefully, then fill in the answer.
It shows 7:43:07
